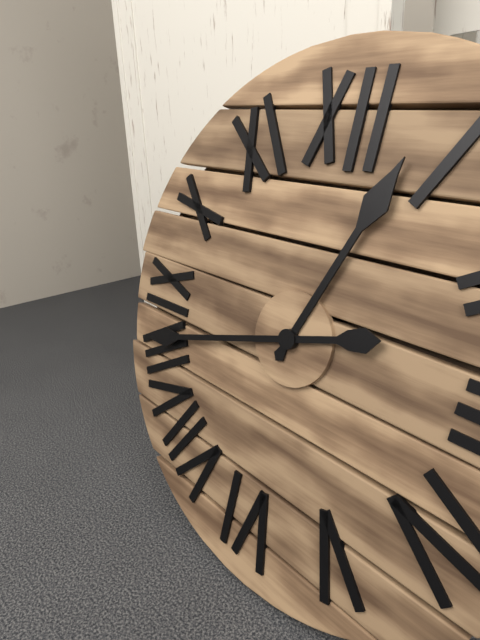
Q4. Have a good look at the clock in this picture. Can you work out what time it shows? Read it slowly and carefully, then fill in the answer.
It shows 12:42
